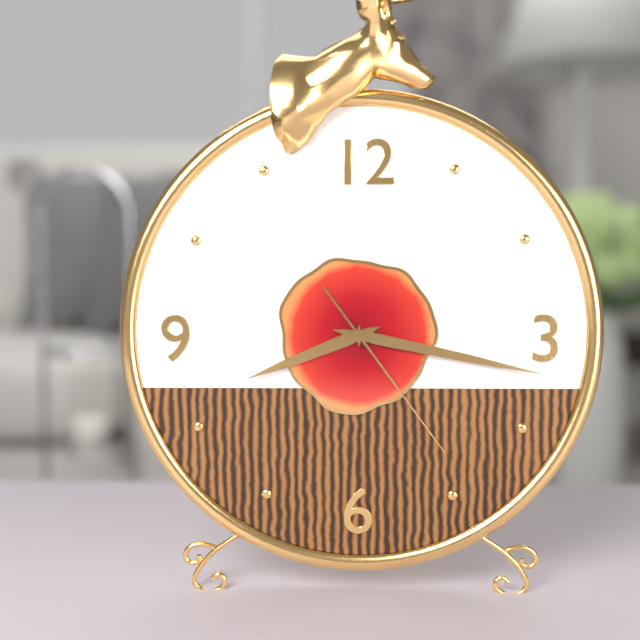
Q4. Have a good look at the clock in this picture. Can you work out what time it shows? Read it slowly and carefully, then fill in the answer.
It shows 8:17:24
